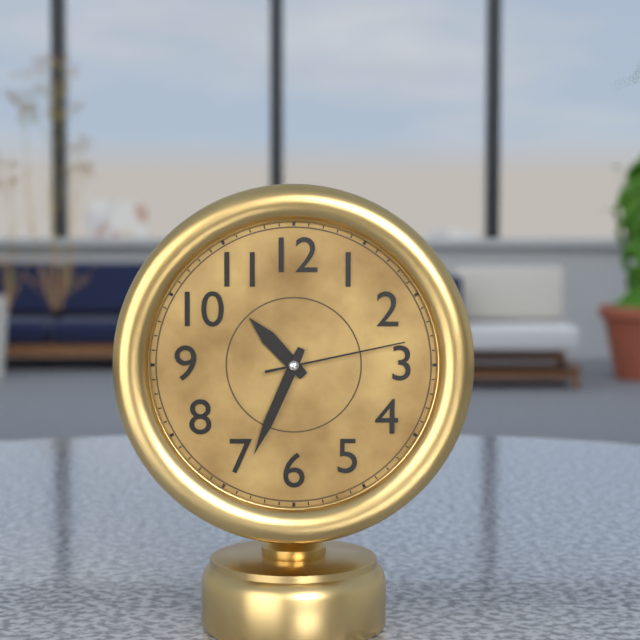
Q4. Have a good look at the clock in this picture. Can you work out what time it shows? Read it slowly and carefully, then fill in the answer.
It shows 10:34:13
